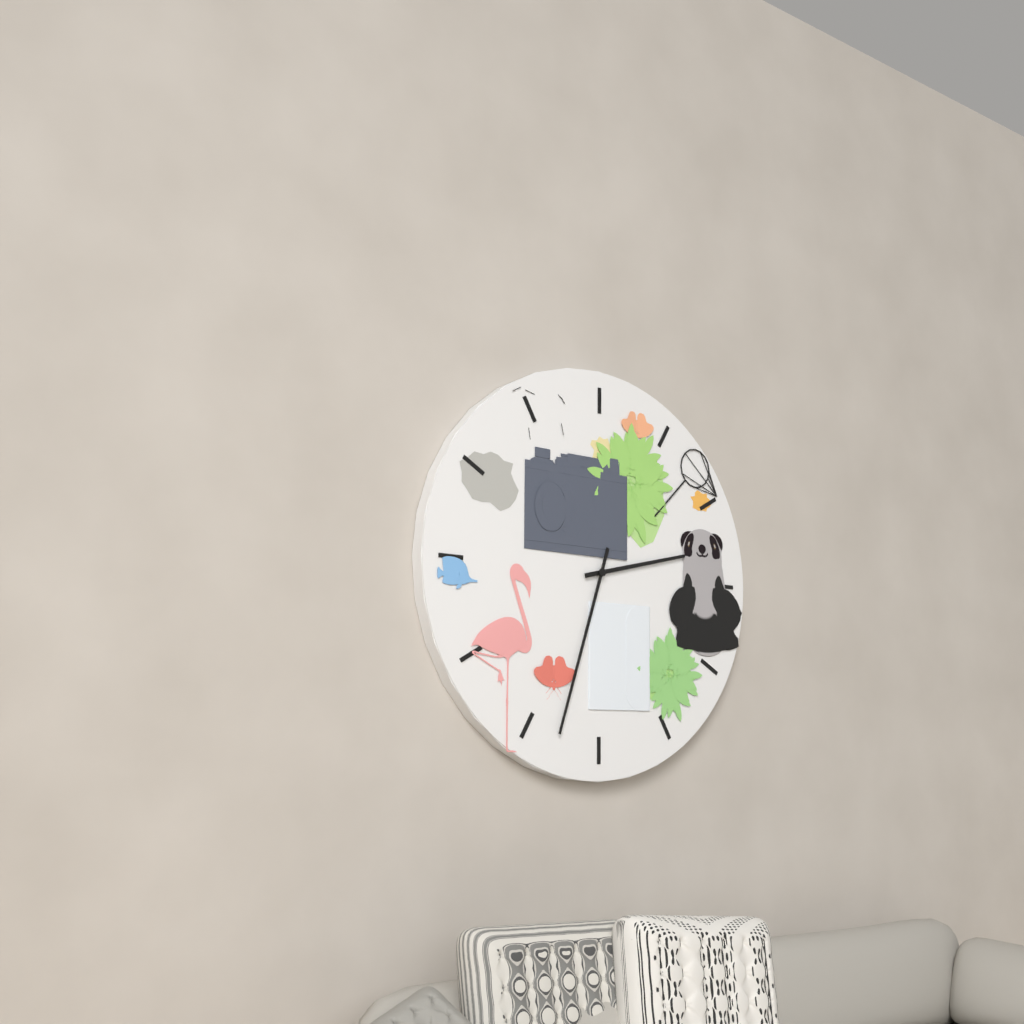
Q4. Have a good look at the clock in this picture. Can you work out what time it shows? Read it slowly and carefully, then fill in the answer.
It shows 2:33
